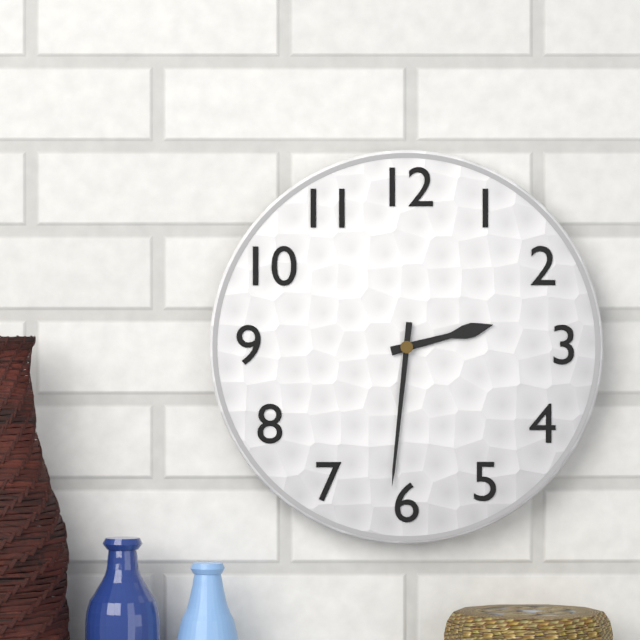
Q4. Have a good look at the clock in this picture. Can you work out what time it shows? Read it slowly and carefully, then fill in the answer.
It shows 2:31
